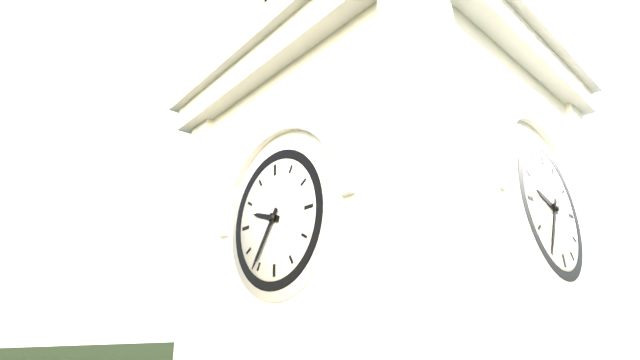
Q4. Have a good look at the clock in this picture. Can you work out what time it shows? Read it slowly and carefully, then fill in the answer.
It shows 9:36
